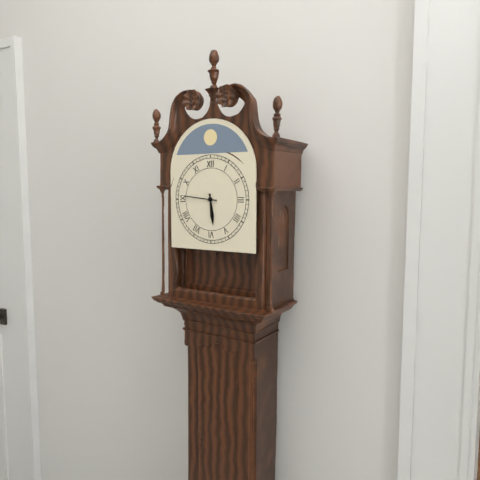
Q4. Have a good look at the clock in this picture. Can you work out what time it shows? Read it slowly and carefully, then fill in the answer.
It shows 5:46
